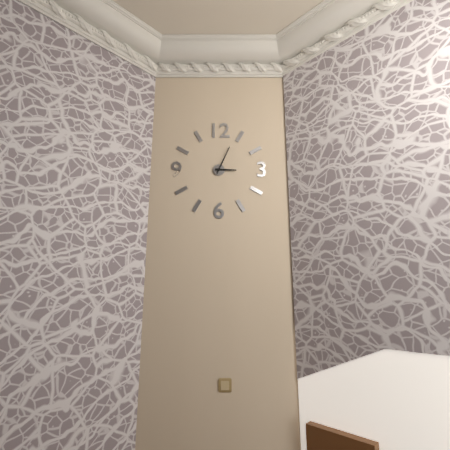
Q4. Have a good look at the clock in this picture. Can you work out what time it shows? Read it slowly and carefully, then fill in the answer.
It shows 3:04
